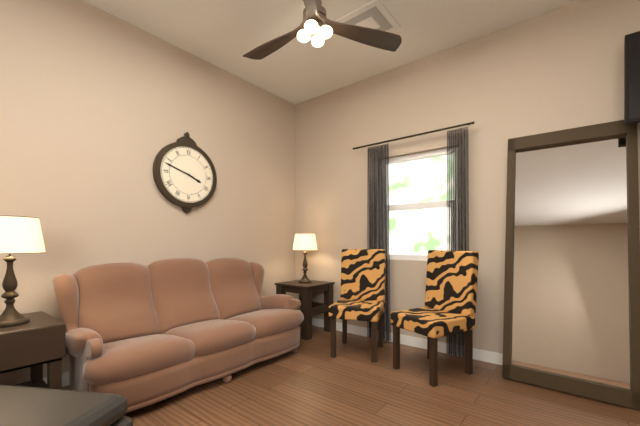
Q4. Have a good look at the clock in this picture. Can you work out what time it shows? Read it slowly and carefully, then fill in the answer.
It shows 3:48
